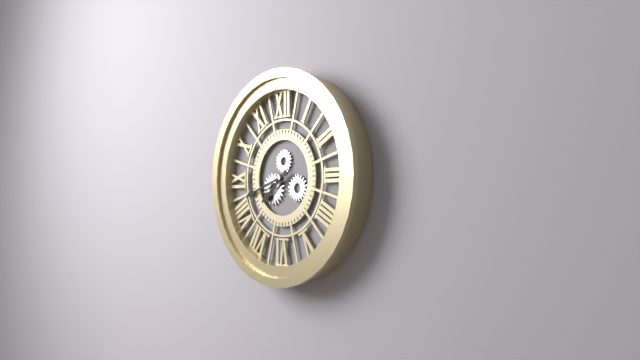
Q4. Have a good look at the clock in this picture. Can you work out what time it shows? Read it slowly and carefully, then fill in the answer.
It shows 7:42
